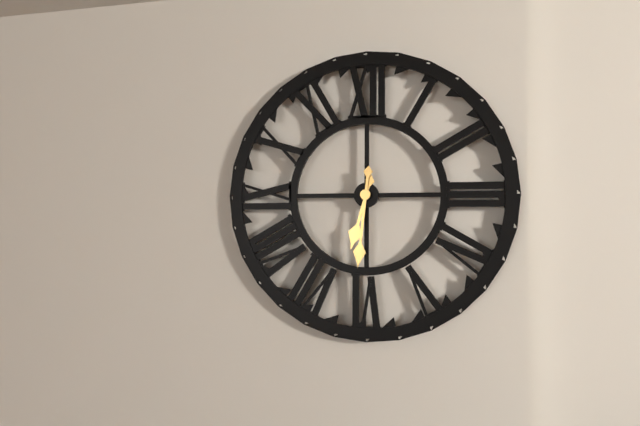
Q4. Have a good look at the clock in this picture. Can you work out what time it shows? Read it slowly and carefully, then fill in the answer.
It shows 6:31
